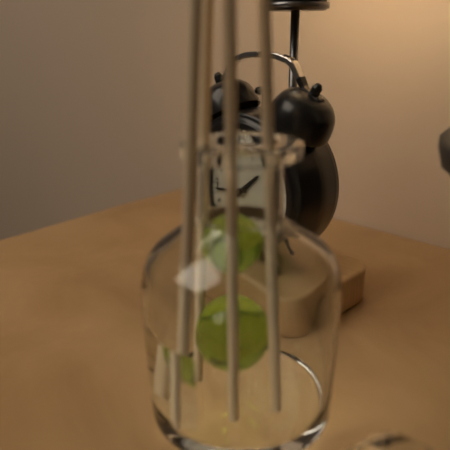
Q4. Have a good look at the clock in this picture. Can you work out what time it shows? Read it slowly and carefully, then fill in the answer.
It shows 1:44
